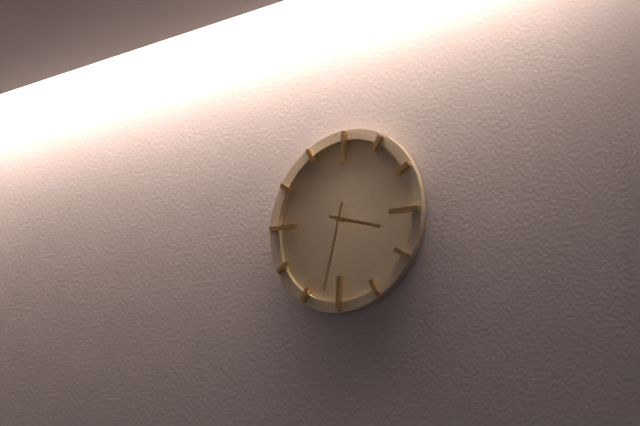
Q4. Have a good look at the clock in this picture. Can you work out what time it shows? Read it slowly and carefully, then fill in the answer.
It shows 3:32
